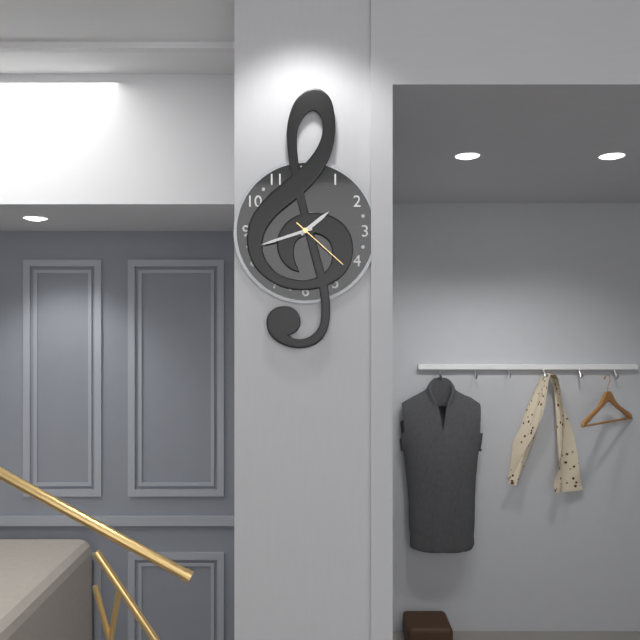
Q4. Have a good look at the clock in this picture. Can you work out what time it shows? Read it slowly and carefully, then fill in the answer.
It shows 1:42:22
